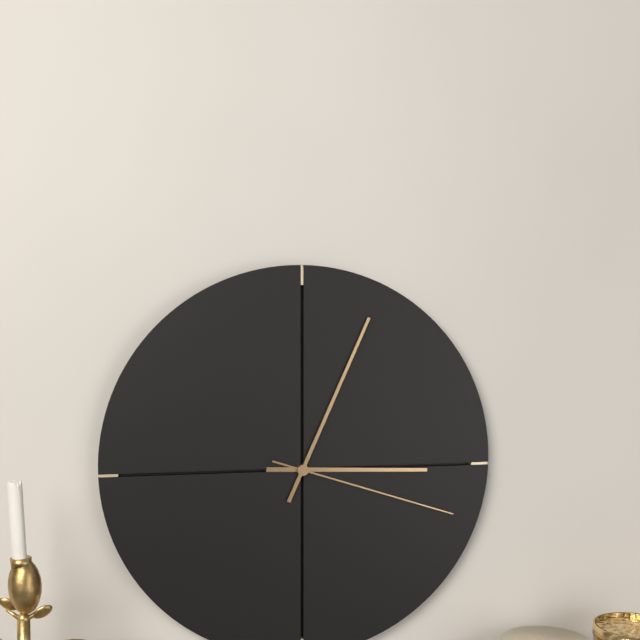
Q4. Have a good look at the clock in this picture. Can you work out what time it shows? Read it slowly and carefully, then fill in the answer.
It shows 3:04:18
